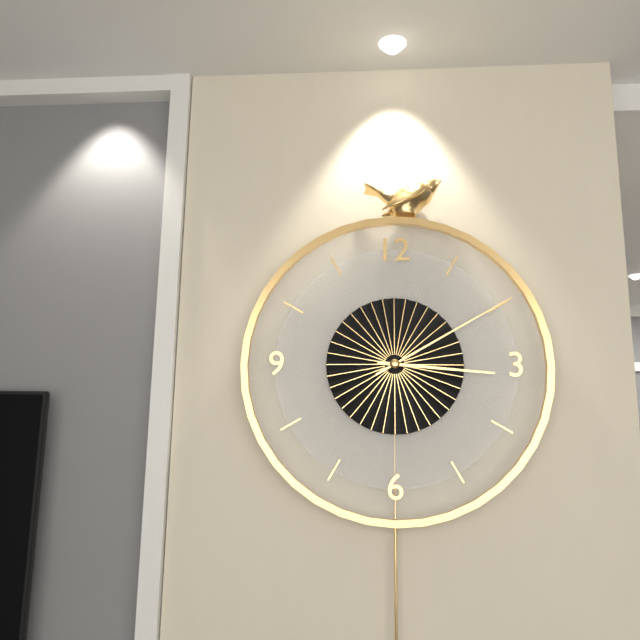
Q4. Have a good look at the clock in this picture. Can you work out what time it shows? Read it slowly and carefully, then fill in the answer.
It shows 3:10
